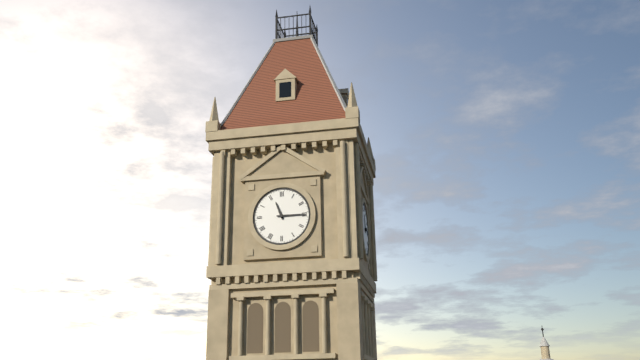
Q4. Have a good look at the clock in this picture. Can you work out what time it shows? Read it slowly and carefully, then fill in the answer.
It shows 11:15
